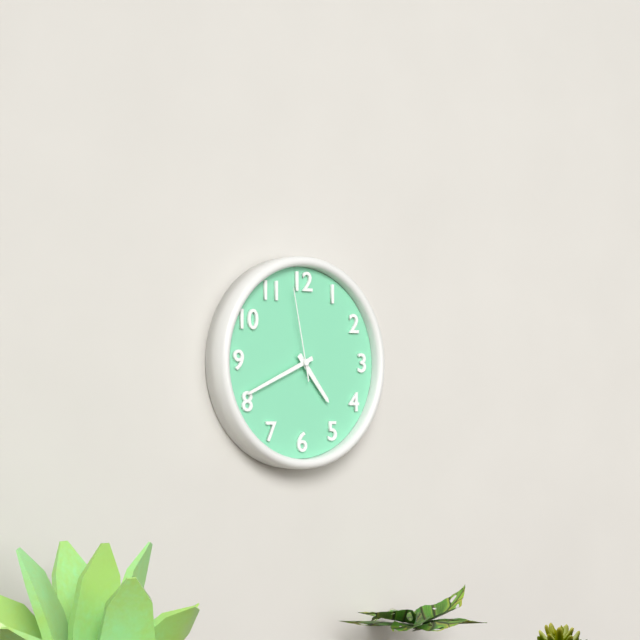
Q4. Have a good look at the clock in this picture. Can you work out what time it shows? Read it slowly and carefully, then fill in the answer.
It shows 4:41:58
